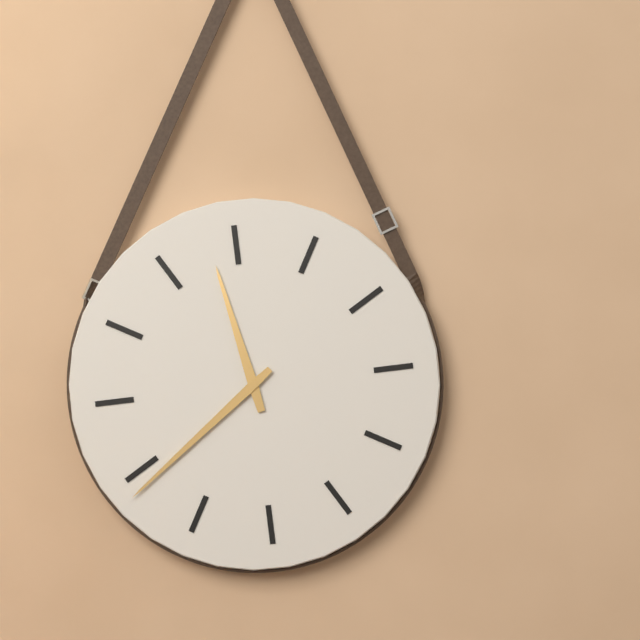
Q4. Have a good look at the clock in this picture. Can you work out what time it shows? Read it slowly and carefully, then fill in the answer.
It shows 11:39
